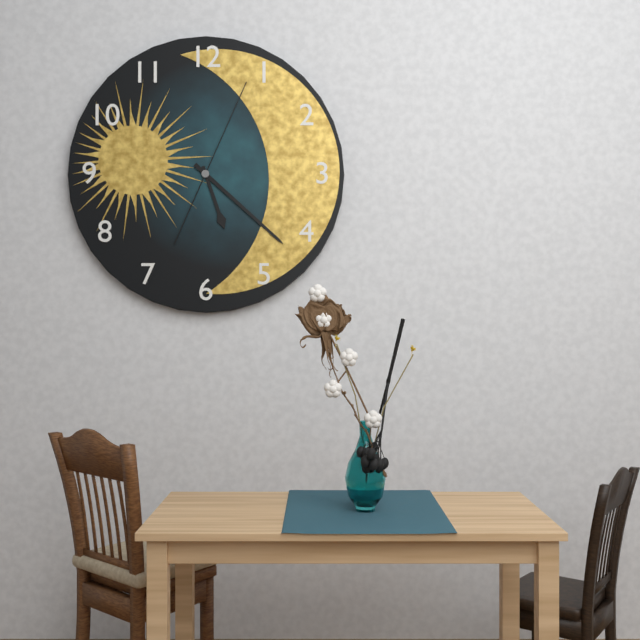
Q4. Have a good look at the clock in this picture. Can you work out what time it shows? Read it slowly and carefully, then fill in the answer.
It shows 5:22:04
